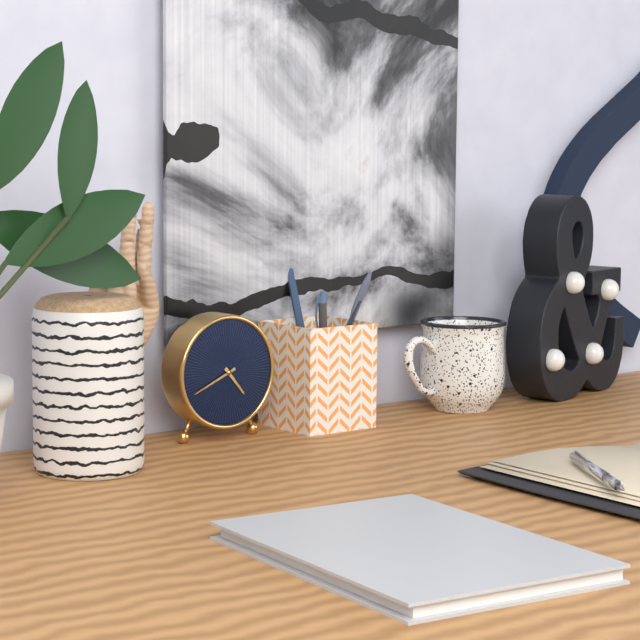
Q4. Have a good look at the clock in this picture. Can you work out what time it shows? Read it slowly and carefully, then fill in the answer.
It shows 4:41
